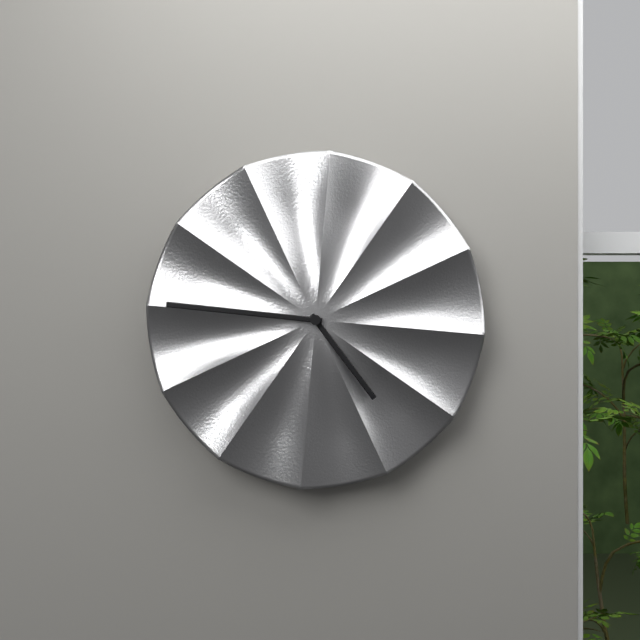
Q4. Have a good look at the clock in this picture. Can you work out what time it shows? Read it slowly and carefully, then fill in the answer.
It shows 4:46
